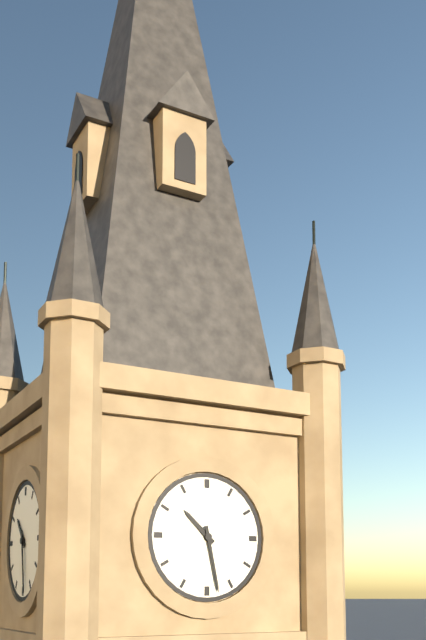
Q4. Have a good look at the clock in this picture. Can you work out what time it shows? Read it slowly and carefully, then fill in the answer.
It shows 10:28
